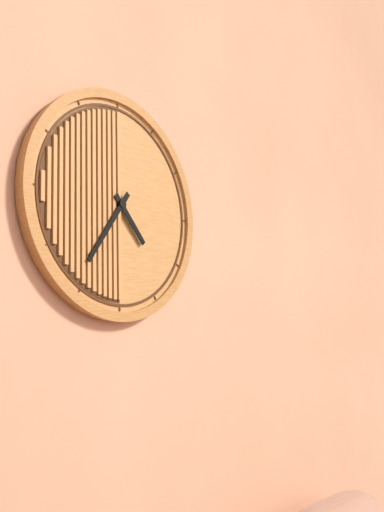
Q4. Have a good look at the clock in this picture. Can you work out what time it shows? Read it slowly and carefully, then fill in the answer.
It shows 4:36
